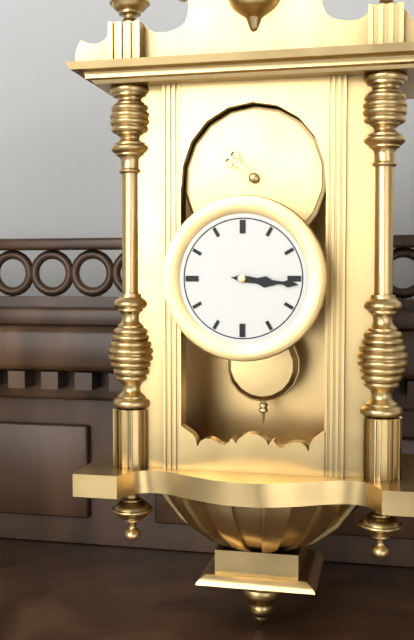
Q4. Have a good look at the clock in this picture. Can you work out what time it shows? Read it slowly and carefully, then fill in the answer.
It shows 3:16
